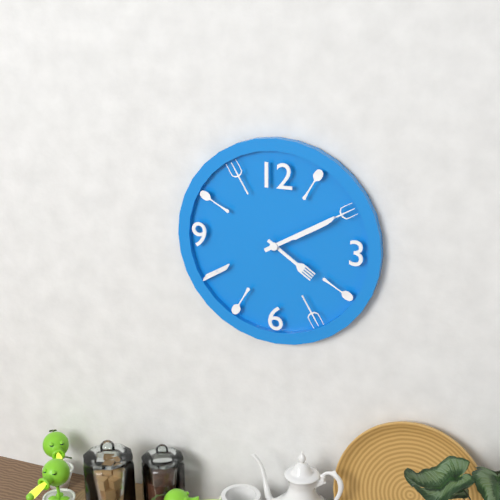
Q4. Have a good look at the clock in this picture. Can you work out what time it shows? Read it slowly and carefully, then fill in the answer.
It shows 4:10
